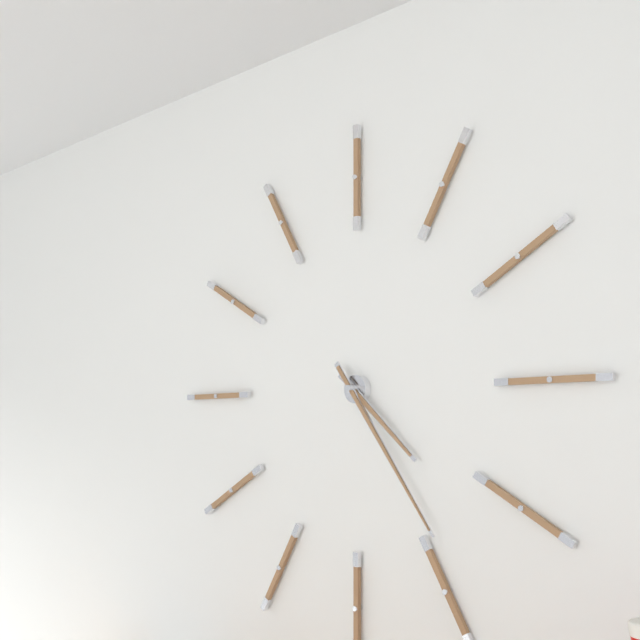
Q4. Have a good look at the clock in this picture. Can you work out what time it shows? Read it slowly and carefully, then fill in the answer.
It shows 4:24
